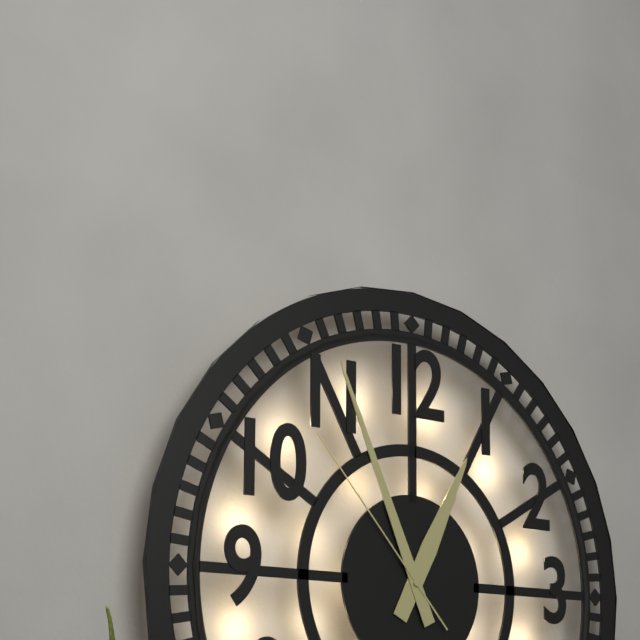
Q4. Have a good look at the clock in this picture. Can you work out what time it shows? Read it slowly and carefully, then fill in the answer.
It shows 12:56:53
